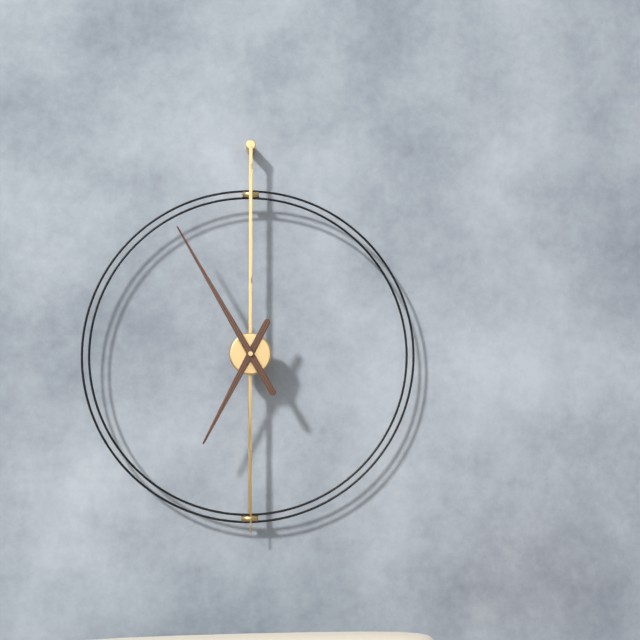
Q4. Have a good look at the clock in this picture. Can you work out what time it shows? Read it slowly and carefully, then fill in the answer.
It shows 6:55
